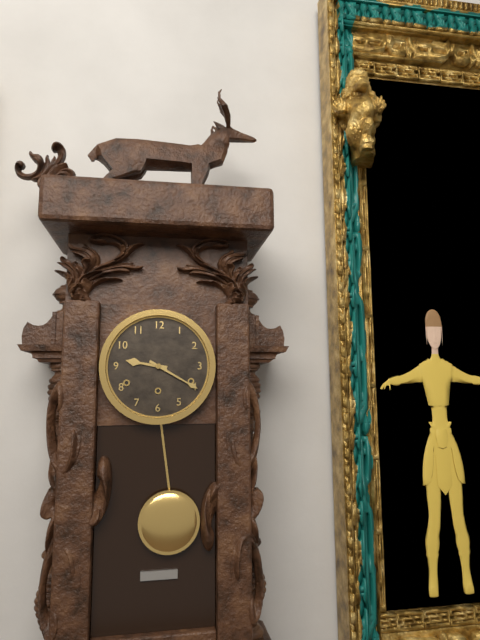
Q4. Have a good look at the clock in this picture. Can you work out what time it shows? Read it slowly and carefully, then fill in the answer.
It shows 9:20
